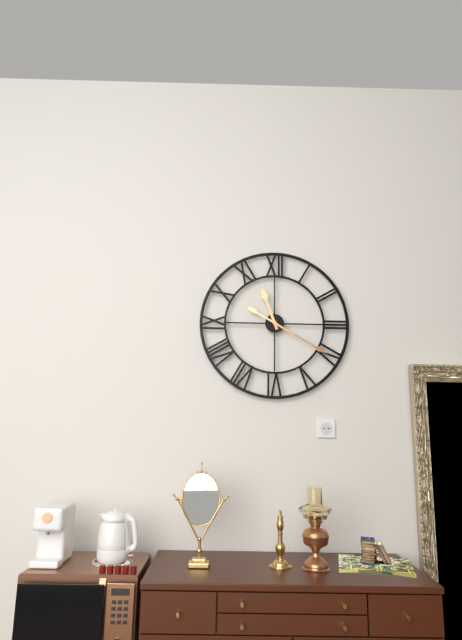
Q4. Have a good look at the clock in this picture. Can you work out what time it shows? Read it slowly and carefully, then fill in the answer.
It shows 11:20
